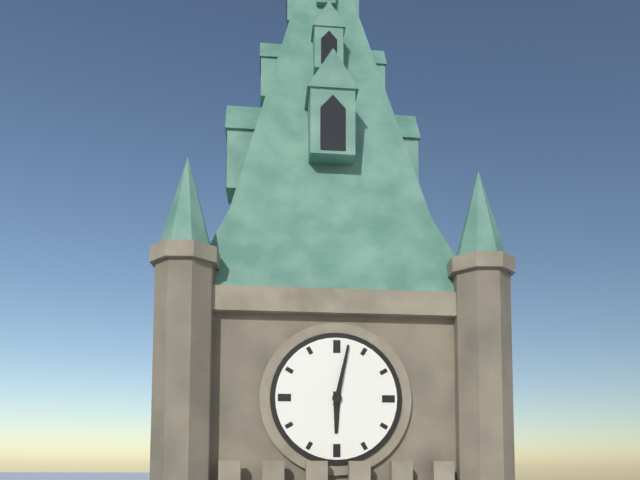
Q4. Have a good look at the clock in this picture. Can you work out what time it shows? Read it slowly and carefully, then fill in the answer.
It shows 6:02
